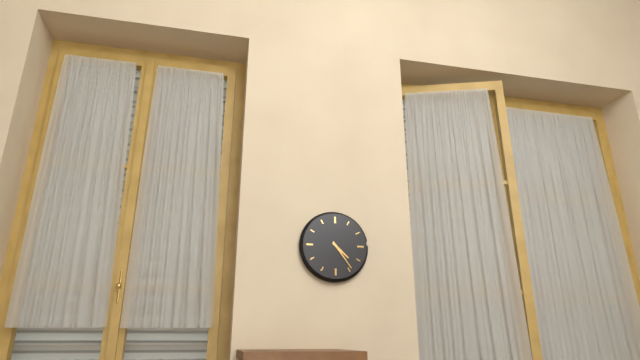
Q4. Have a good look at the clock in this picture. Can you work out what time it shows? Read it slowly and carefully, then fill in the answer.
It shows 4:24
